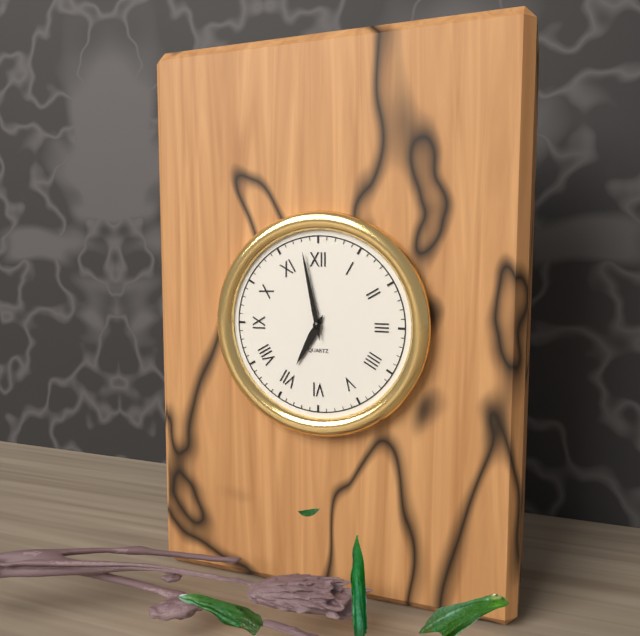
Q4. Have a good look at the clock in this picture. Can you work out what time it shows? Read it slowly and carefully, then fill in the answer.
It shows 6:58
